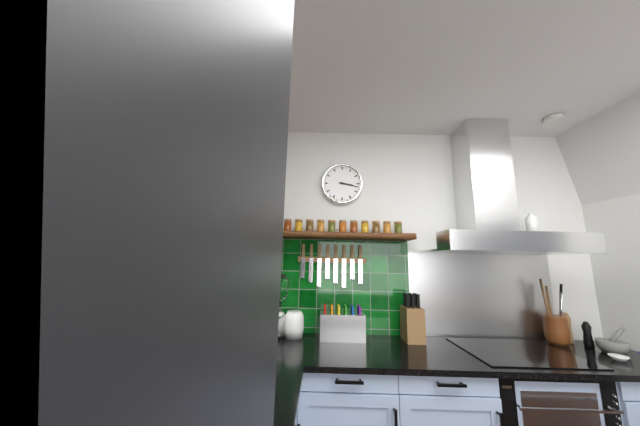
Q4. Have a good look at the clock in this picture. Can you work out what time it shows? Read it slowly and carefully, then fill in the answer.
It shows 3:17
